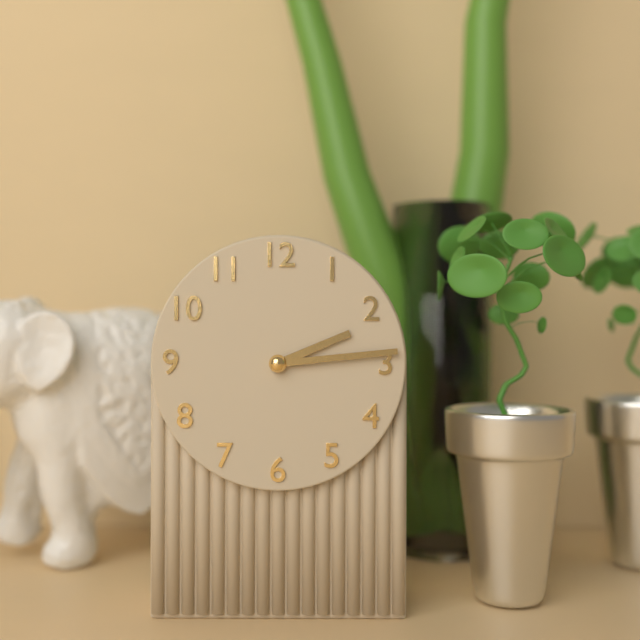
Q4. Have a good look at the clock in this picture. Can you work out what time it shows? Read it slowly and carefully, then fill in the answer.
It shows 2:14
